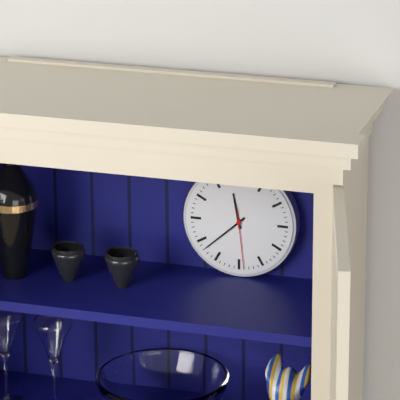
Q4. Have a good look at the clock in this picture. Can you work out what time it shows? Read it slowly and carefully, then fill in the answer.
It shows 11:38:29
